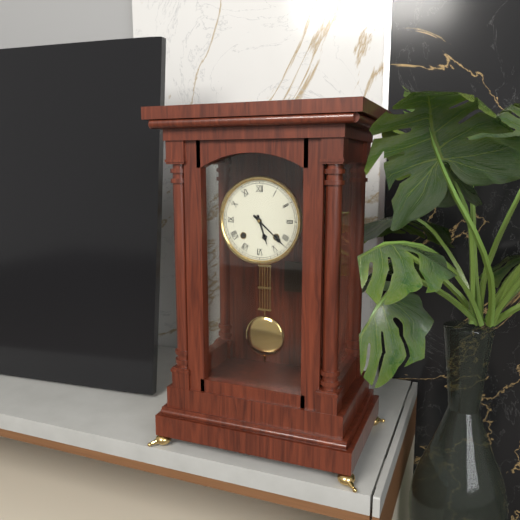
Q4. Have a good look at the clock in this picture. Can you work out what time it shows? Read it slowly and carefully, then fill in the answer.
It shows 5:22
